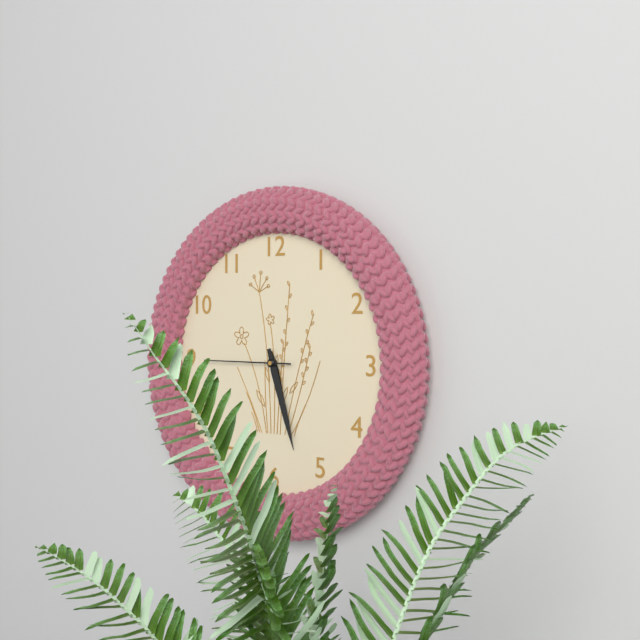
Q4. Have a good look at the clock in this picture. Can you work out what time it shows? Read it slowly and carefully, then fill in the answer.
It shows 5:27:45
